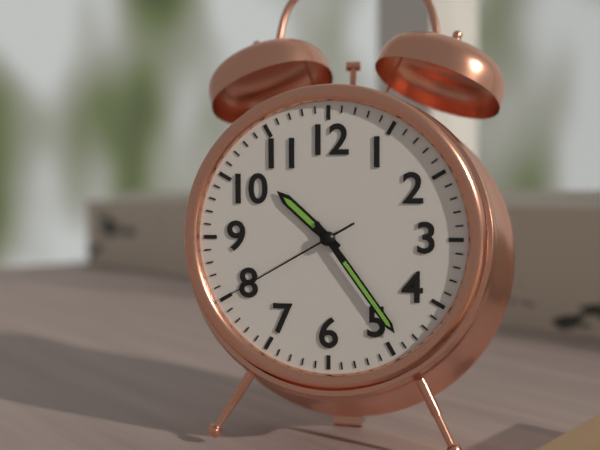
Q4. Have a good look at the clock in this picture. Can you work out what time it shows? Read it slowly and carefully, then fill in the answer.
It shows 10:24:40
